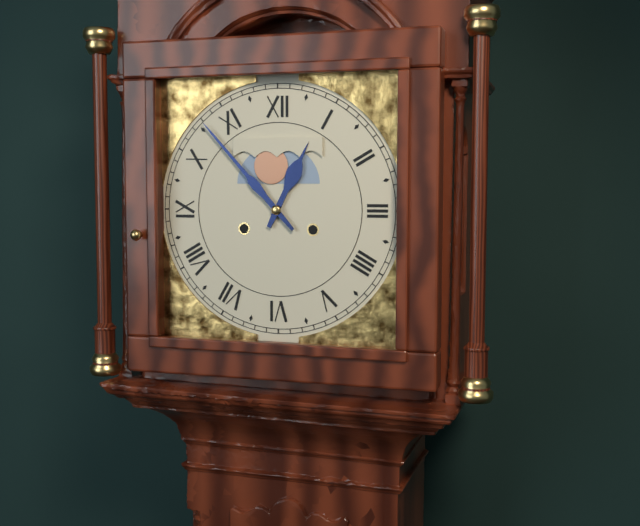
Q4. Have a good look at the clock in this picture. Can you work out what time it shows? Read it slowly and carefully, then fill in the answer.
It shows 12:53
